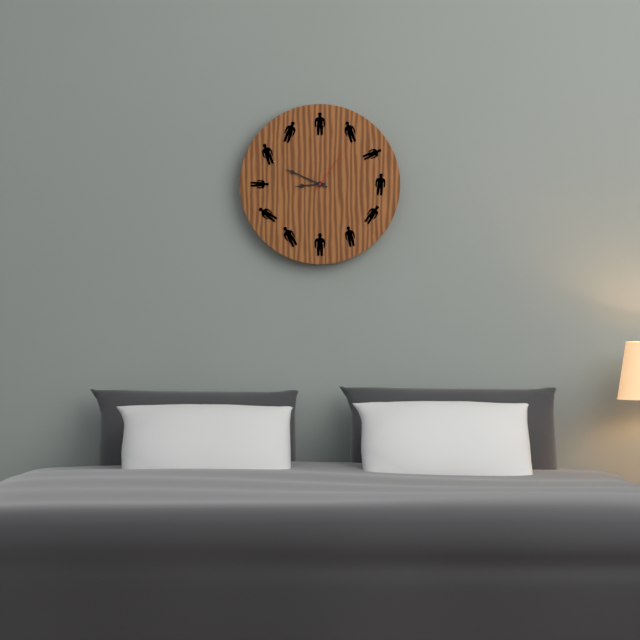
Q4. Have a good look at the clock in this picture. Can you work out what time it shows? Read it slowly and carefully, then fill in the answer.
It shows 8:49
